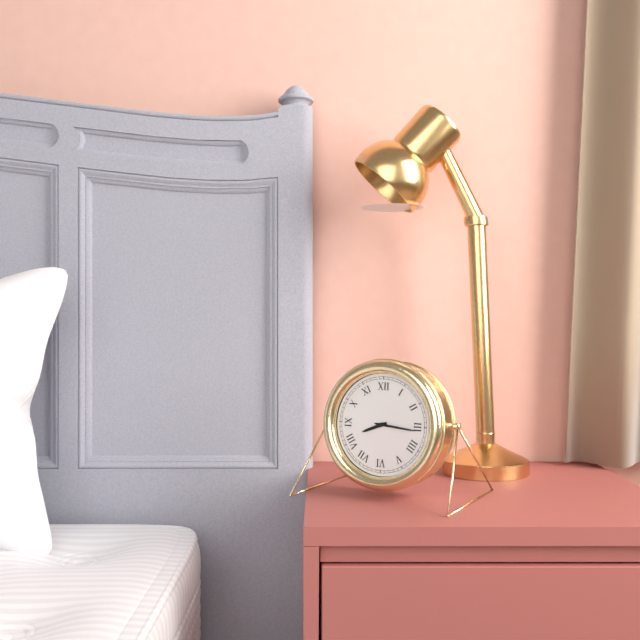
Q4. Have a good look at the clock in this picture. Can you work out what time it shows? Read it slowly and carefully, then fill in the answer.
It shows 8:16
